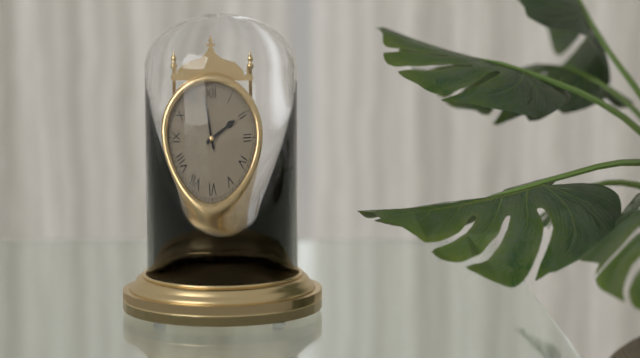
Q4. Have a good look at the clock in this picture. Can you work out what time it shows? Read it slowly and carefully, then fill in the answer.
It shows 1:58
